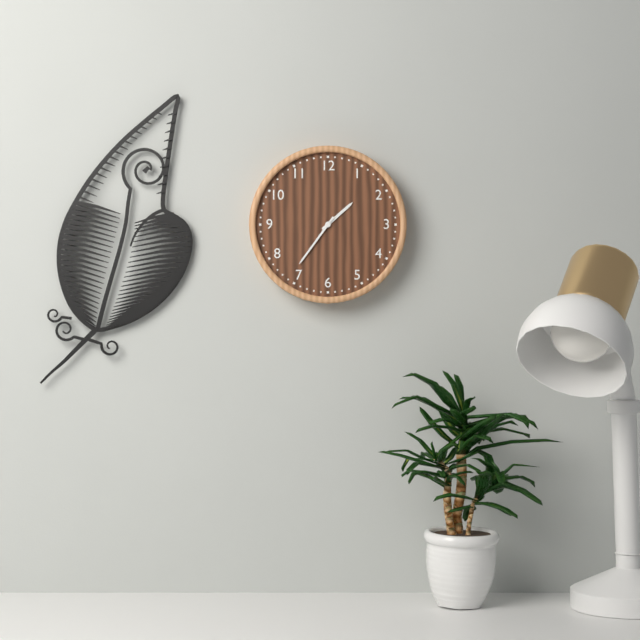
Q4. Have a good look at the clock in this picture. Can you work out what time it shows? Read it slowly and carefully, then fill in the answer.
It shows 1:36
